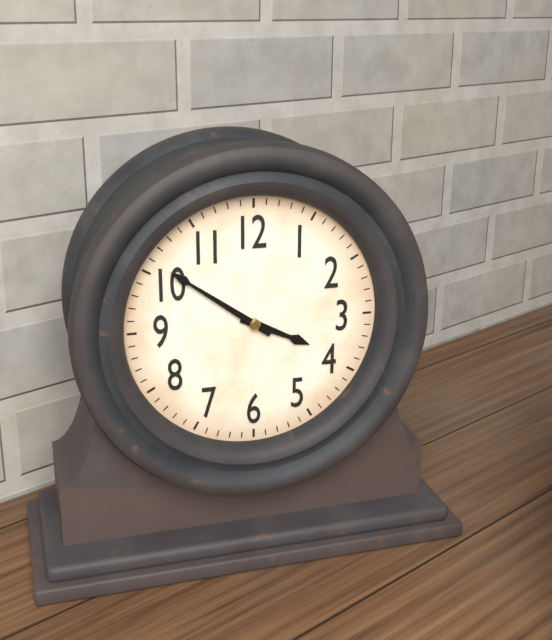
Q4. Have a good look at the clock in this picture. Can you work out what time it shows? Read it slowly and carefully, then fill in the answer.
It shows 3:51
